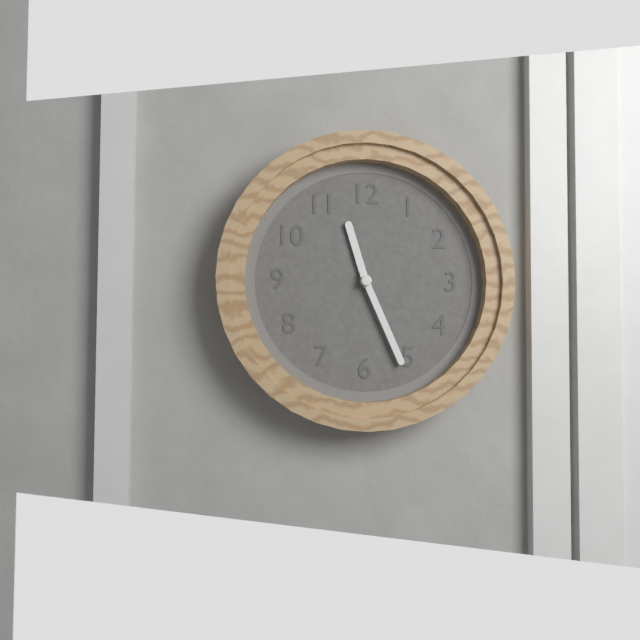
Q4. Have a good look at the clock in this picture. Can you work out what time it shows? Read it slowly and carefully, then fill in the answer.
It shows 11:26
